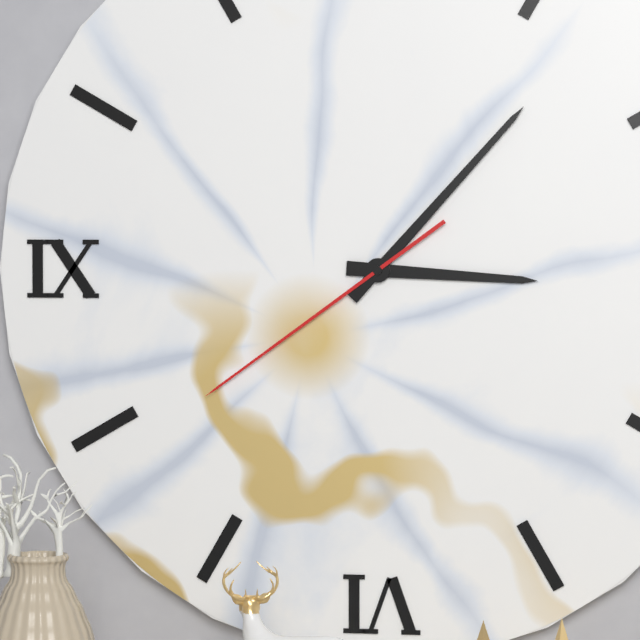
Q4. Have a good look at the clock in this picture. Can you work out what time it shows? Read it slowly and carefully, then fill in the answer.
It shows 3:07:39
